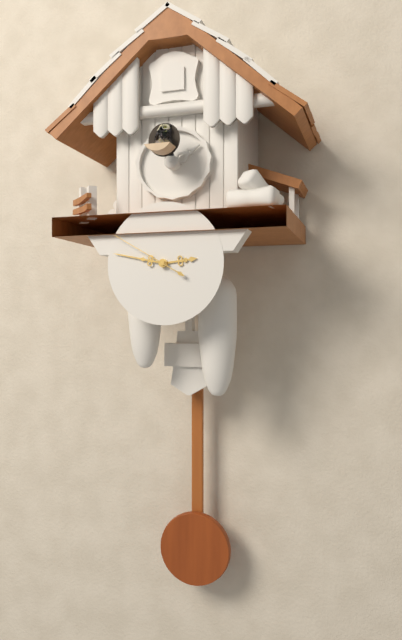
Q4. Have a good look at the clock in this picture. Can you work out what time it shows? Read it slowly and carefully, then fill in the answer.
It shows 2:47:50
